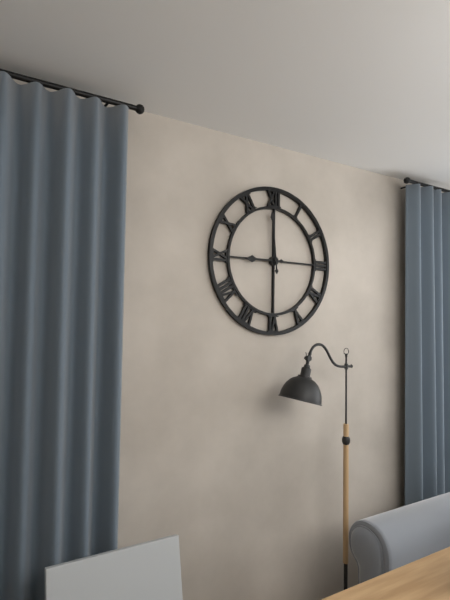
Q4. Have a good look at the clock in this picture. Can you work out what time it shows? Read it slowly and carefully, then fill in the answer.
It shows 8:59
